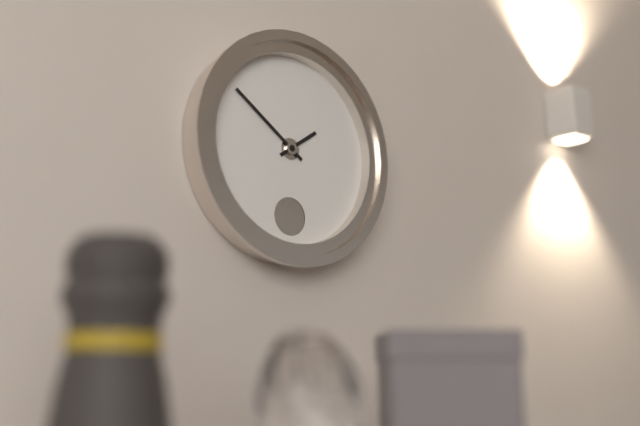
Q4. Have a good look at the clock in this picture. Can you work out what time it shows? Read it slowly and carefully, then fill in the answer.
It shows 1:51
